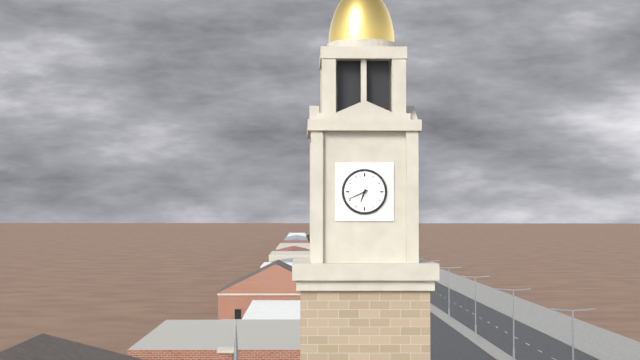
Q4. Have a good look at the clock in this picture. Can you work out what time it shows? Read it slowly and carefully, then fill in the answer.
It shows 6:41
